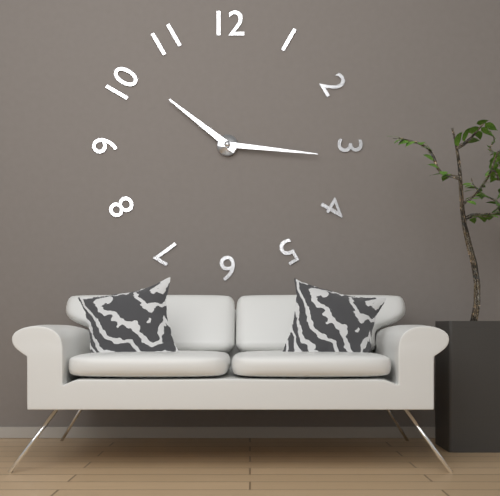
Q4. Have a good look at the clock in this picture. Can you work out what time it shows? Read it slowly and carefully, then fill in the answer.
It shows 10:16
